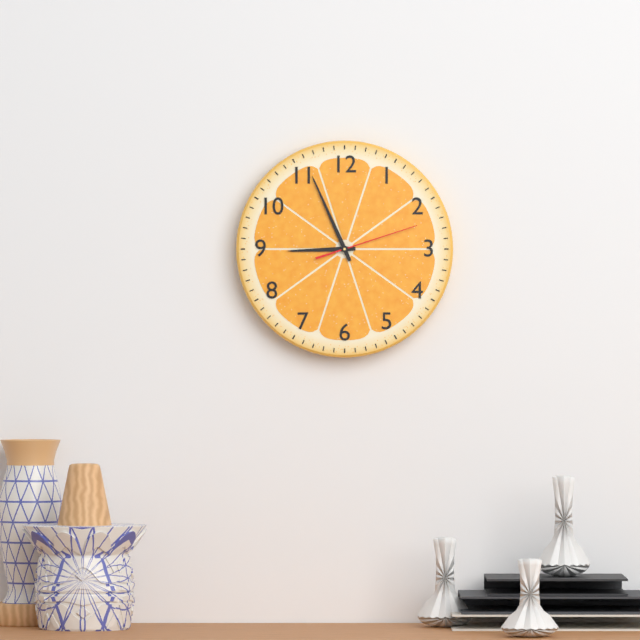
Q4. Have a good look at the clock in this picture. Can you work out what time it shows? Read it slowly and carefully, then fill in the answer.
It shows 8:56:12
